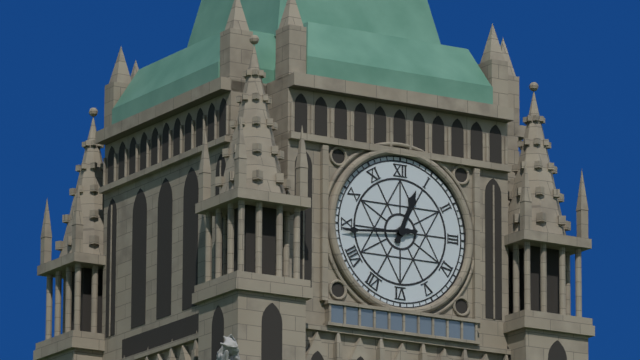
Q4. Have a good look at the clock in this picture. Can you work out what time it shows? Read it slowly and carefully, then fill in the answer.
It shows 12:44
